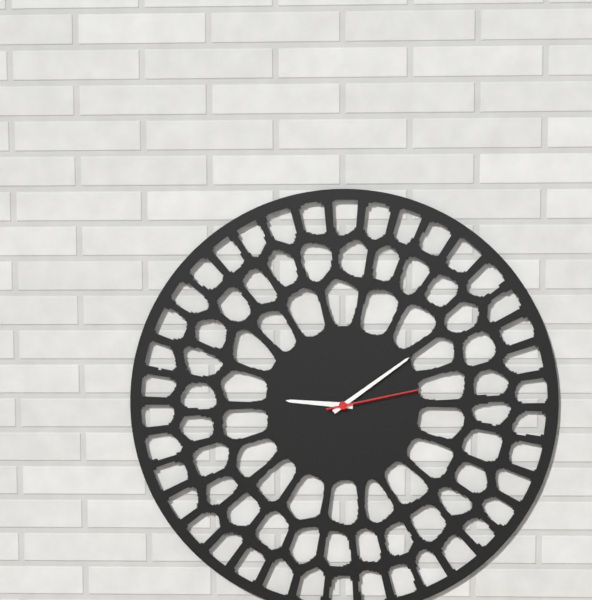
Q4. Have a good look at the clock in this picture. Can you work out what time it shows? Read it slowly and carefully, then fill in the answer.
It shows 9:09:13
